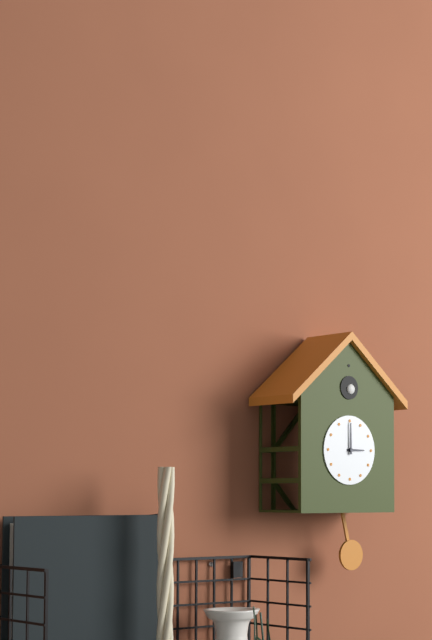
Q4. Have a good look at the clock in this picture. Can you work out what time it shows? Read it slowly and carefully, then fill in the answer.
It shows 3:00
